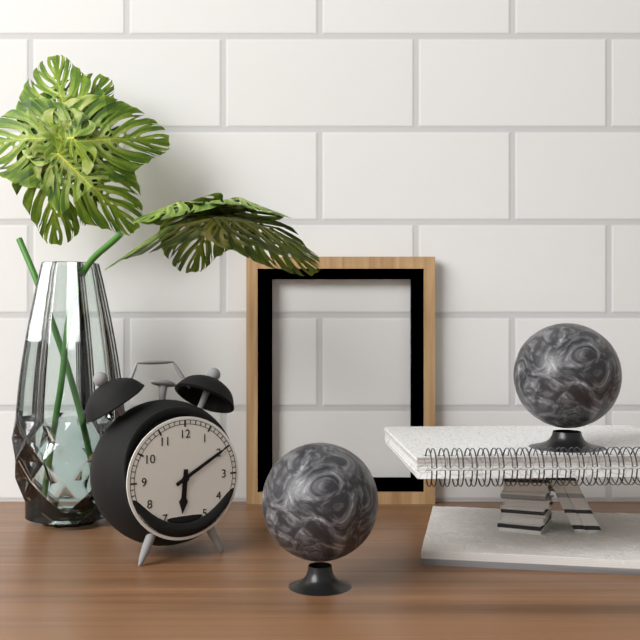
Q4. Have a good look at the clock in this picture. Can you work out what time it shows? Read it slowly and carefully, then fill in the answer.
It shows 6:10
